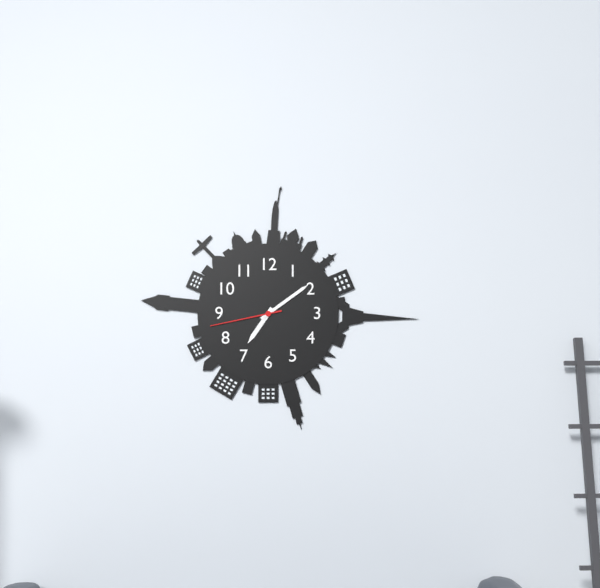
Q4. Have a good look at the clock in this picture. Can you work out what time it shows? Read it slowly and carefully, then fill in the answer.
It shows 7:09:43
